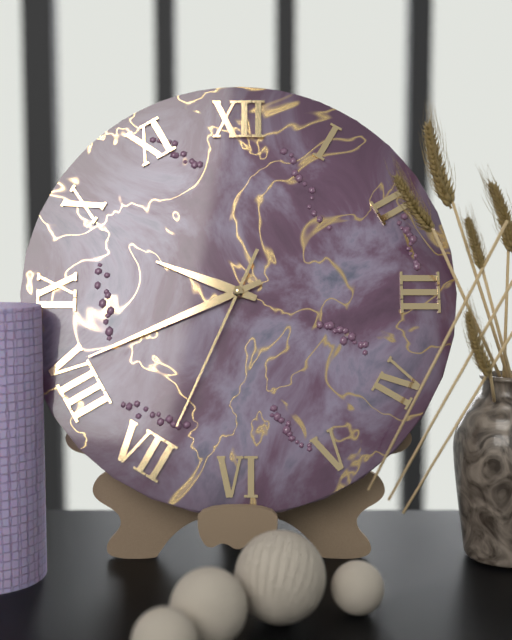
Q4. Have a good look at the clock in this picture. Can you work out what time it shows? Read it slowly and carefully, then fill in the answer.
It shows 9:41:34
